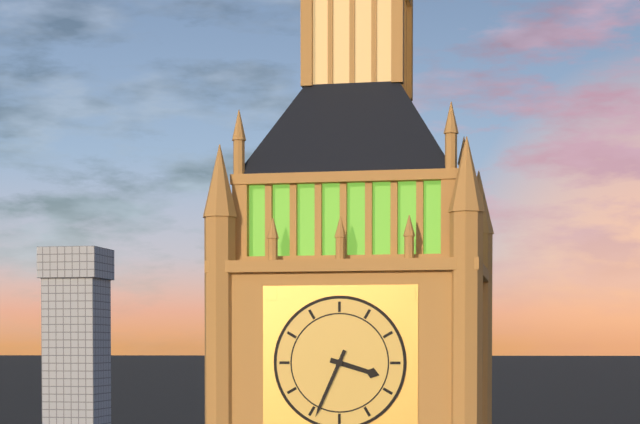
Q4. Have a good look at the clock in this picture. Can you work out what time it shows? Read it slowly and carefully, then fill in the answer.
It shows 3:34
